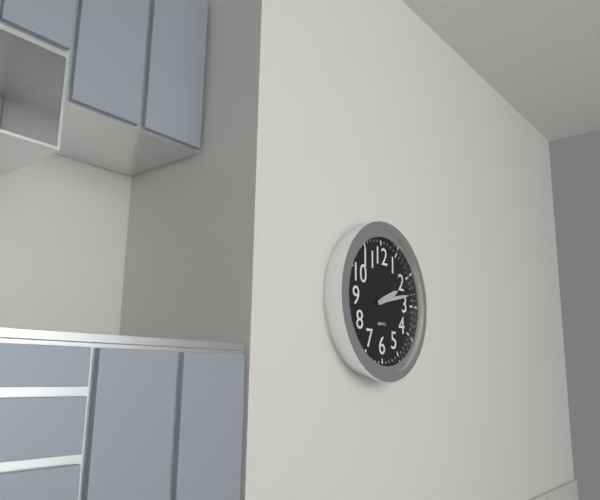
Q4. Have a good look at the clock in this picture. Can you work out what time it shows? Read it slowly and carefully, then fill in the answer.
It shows 2:13
